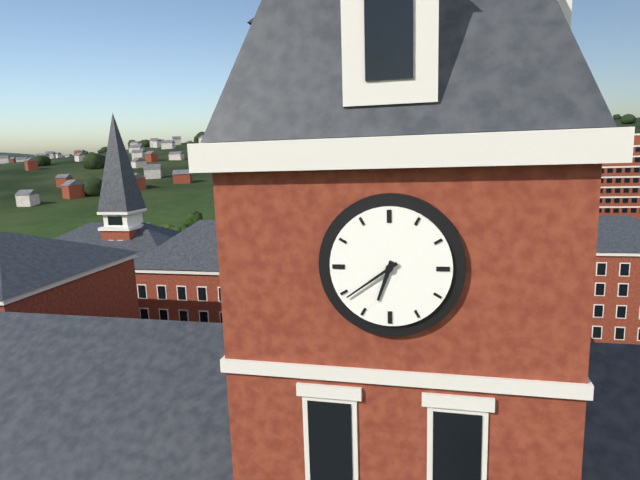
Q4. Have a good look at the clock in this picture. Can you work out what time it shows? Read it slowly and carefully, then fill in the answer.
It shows 6:39
